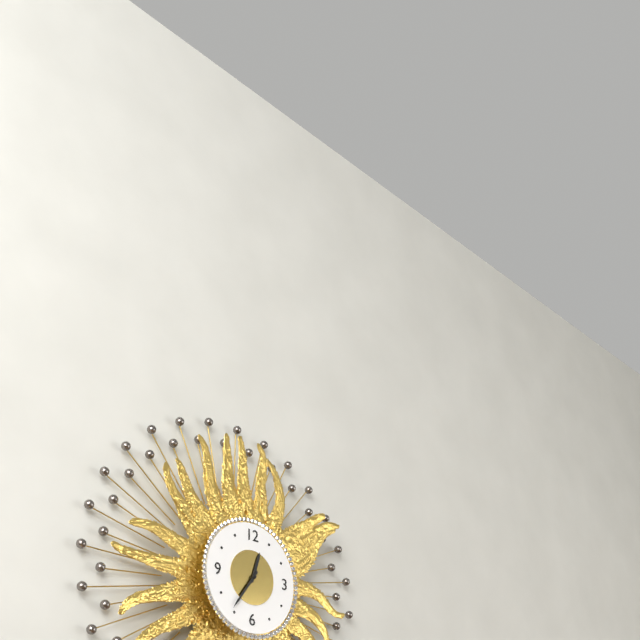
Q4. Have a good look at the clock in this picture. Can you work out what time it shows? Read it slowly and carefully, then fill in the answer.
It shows 12:36
